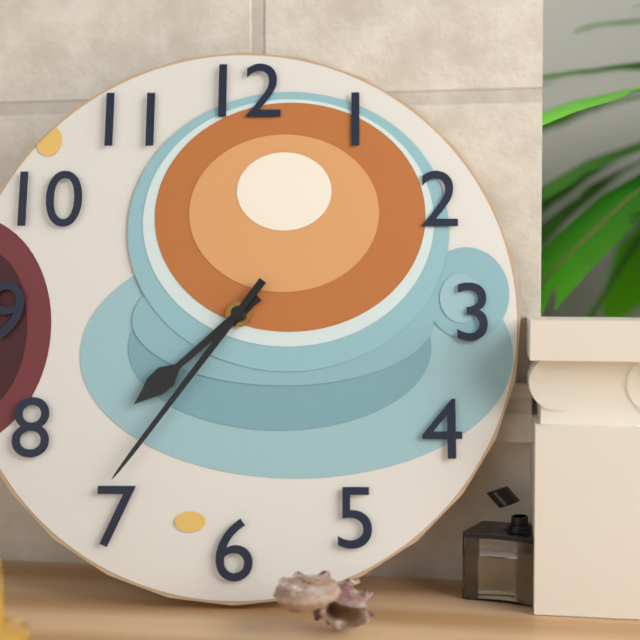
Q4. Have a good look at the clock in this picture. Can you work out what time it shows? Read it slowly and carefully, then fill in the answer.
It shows 7:36
